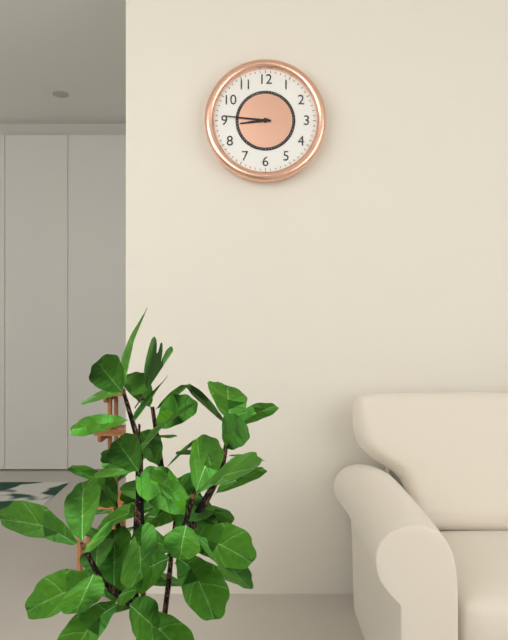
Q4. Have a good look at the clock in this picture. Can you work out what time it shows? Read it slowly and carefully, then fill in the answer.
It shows 8:46
